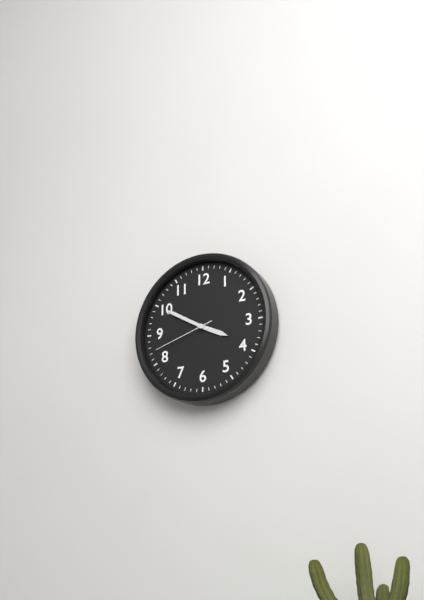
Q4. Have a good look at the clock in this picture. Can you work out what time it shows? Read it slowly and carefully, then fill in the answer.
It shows 3:50:42
